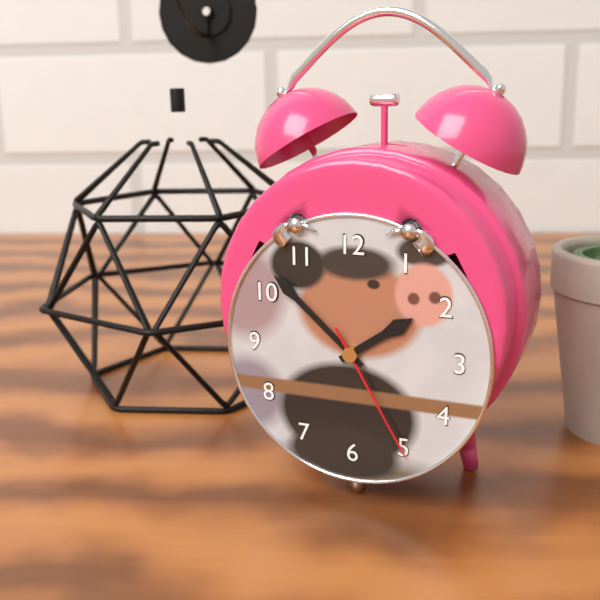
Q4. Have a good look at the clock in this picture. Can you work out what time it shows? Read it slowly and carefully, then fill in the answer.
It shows 1:52:25
